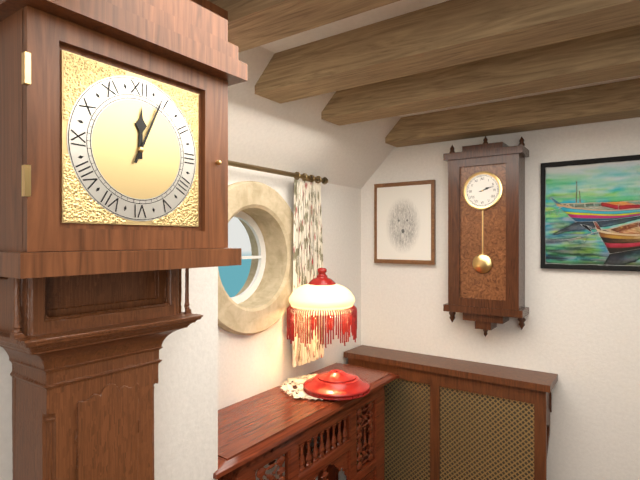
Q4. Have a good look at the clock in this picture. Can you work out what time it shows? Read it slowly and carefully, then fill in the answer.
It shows 12:04
